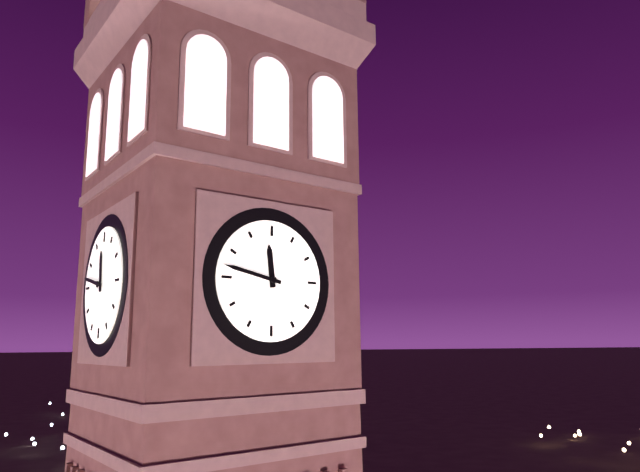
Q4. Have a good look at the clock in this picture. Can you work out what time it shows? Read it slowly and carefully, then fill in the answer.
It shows 11:47
